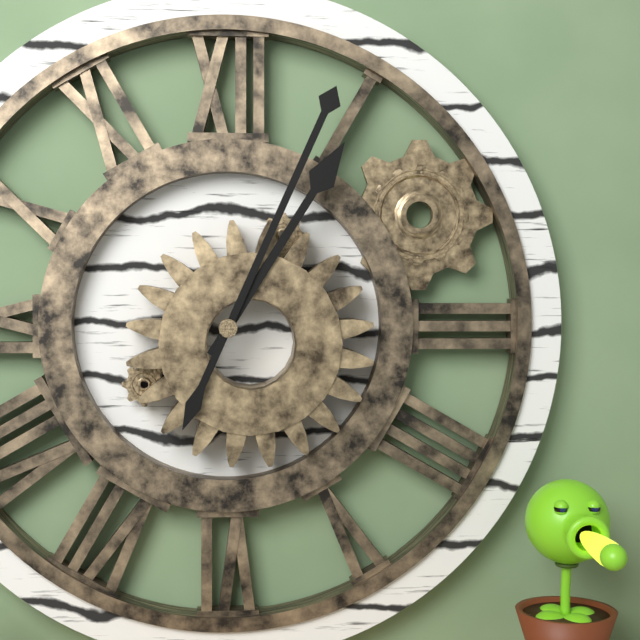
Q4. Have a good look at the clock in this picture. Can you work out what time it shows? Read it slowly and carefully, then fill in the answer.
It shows 1:04
